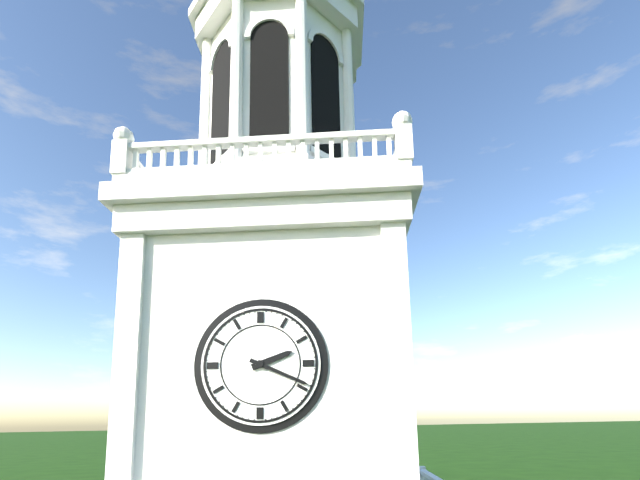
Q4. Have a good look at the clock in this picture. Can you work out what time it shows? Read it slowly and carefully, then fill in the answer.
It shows 2:19
